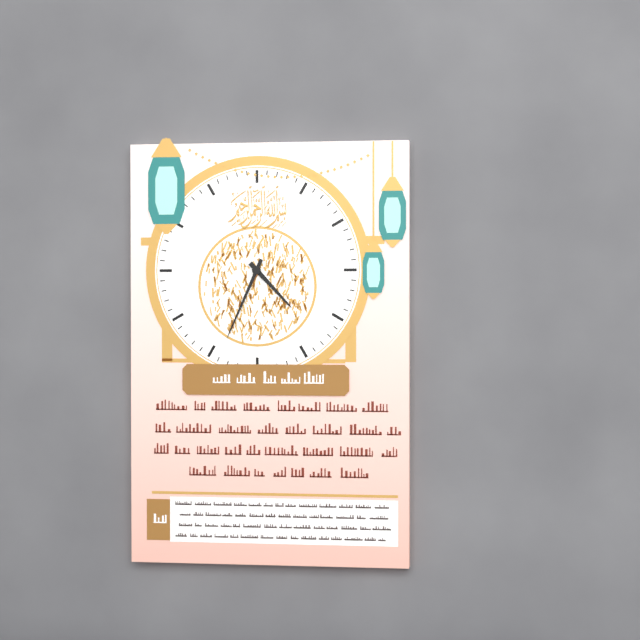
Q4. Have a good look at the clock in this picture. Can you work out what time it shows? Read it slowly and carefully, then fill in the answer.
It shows 4:34
